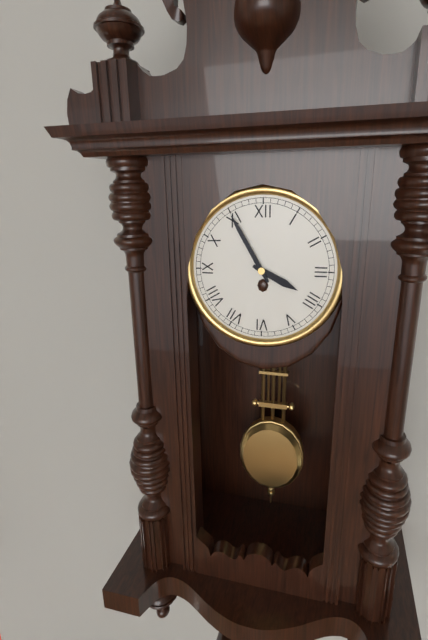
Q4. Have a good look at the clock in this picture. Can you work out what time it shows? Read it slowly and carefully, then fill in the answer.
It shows 3:55
